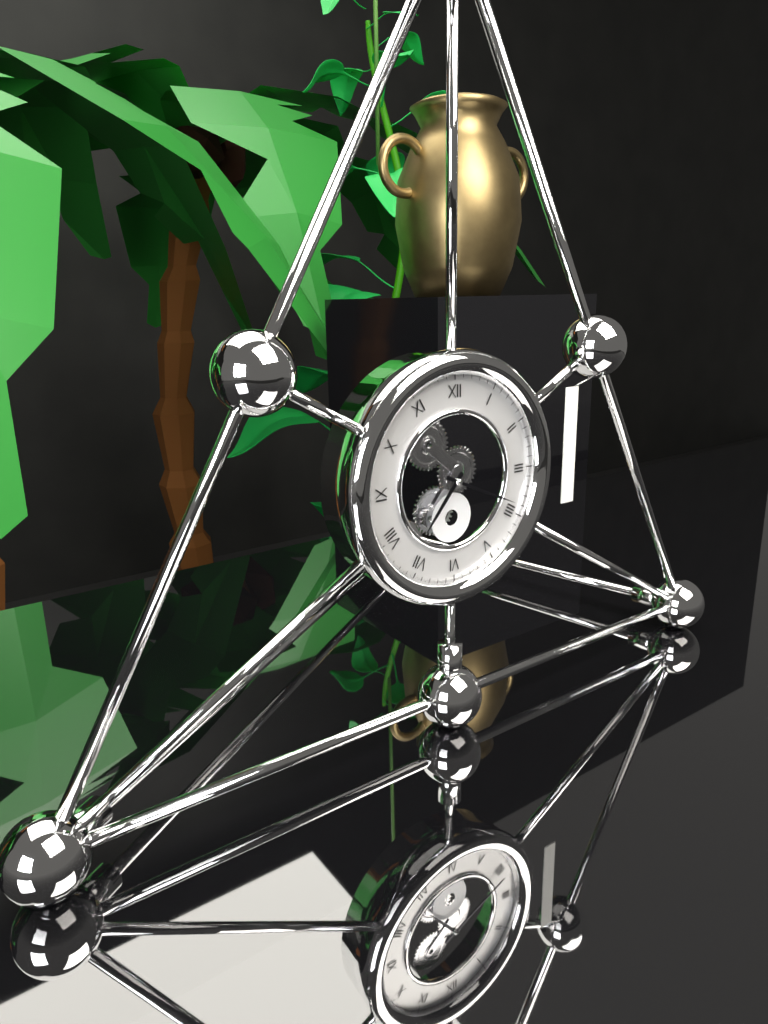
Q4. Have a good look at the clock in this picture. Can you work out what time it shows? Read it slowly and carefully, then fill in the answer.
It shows 7:19
